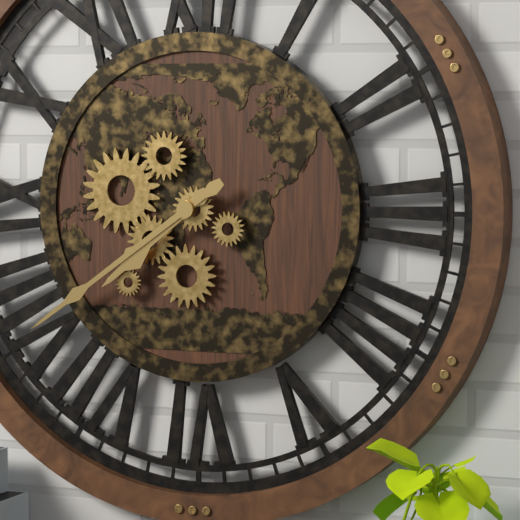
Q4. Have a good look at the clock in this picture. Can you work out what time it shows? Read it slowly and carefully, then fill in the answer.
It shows 7:39
